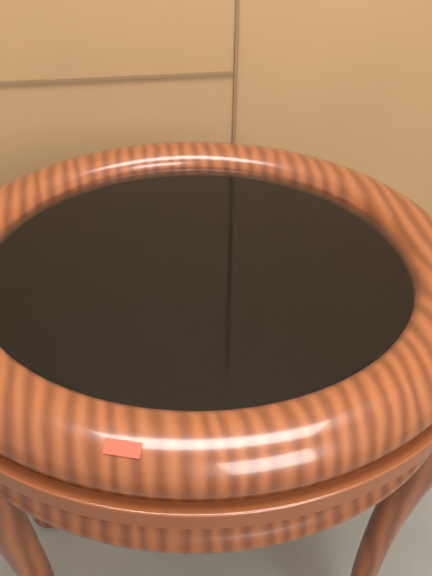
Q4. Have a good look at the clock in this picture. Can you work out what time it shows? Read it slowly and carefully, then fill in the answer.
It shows 9:38
